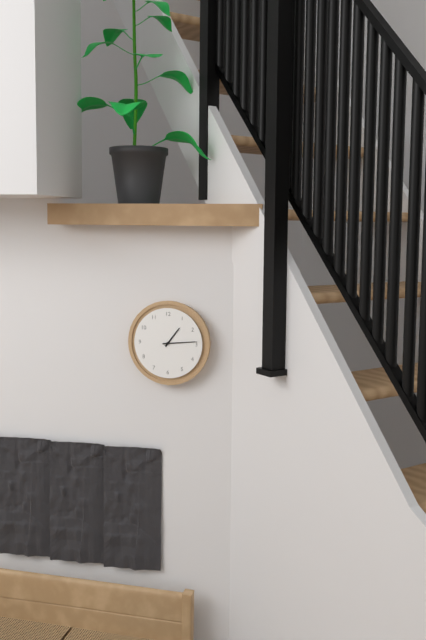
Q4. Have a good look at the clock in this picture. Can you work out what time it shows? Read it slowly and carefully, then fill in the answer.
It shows 1:14
